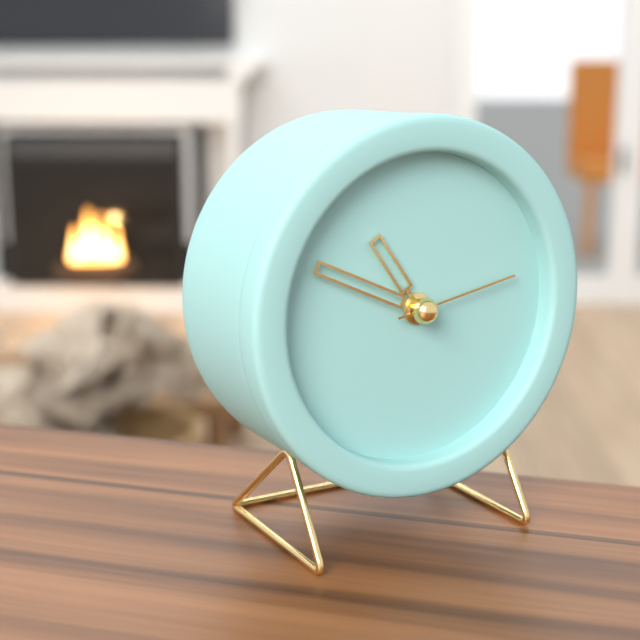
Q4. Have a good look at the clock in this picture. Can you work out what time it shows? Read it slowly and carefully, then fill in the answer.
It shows 10:49:13
